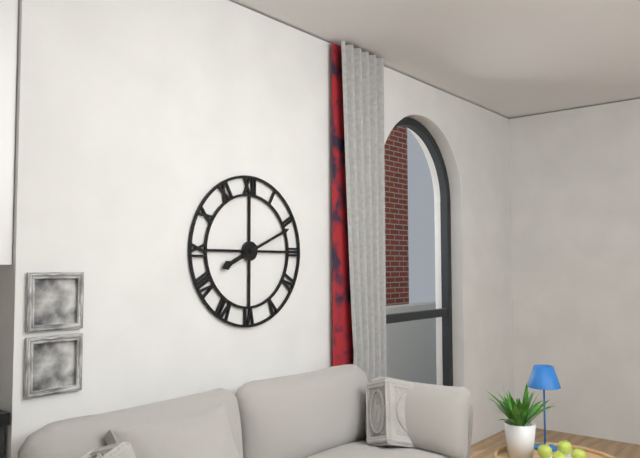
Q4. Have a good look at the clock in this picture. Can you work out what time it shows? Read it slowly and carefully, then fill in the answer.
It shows 8:11
